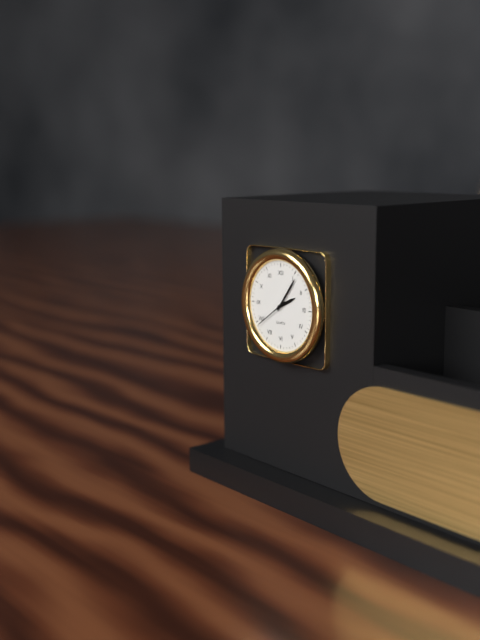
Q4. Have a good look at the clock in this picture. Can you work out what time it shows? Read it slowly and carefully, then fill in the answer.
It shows 2:06
